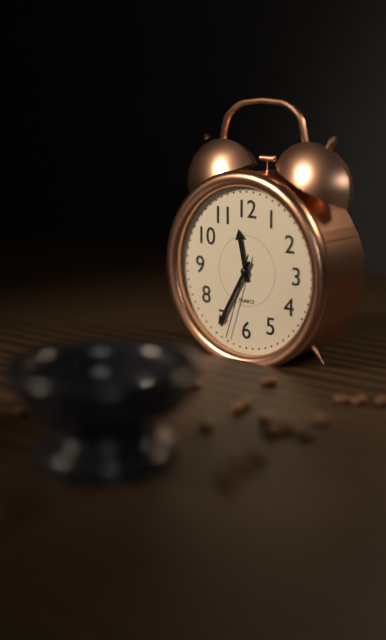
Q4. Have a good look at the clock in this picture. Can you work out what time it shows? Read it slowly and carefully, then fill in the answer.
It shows 11:35:33
